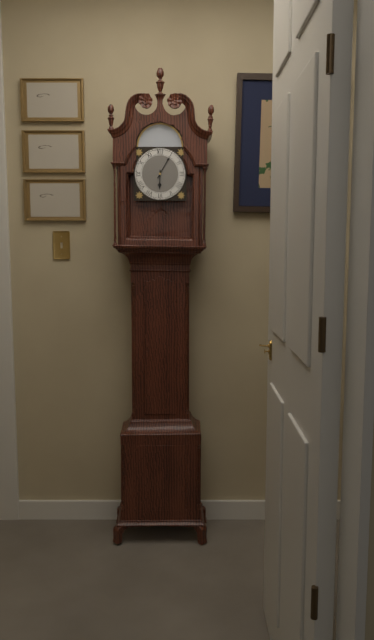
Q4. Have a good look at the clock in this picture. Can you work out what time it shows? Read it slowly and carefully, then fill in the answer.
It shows 6:05
